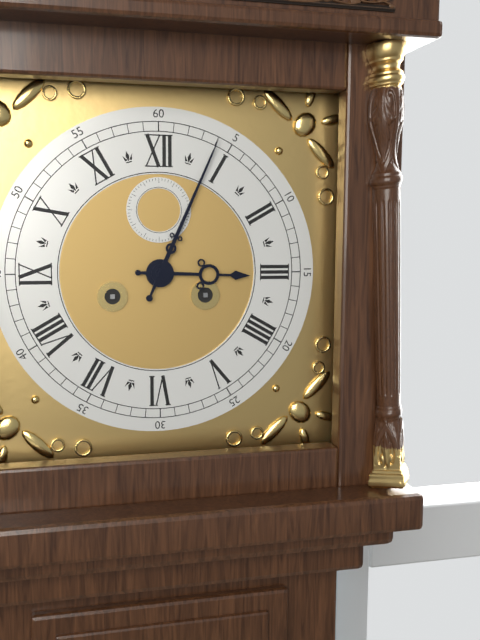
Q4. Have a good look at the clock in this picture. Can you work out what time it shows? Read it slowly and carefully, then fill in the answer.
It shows 3:04
